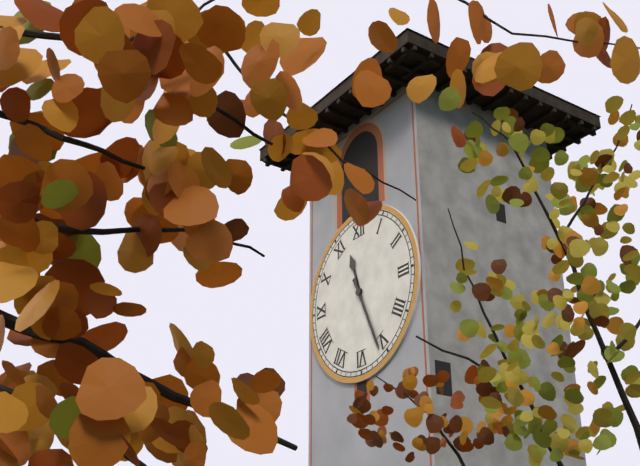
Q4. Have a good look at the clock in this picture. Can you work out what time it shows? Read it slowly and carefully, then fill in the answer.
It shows 11:26
